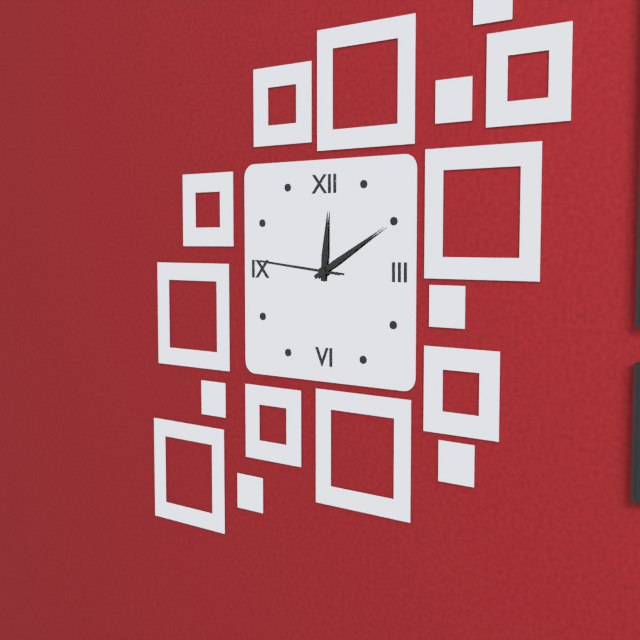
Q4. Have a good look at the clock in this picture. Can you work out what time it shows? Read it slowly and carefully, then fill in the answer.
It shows 12:10:46
